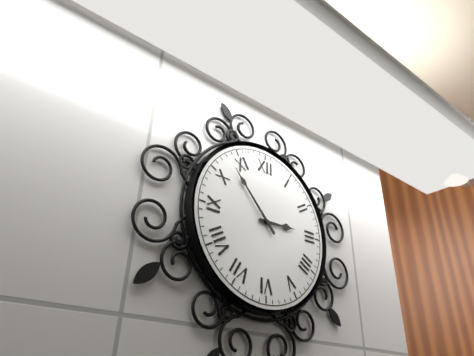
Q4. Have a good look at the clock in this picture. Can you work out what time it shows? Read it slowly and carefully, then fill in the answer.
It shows 2:53
